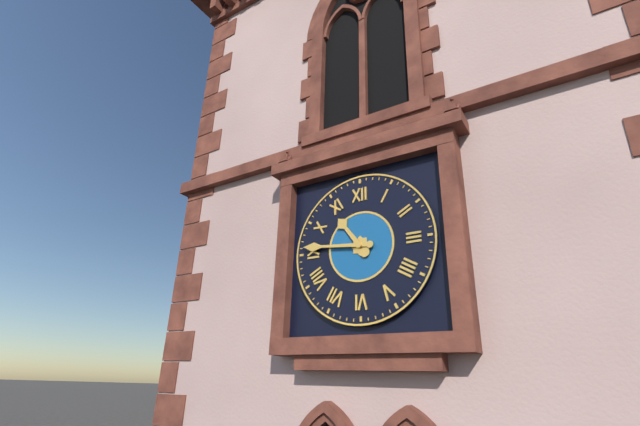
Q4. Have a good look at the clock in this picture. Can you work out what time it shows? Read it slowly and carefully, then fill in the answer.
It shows 10:46
